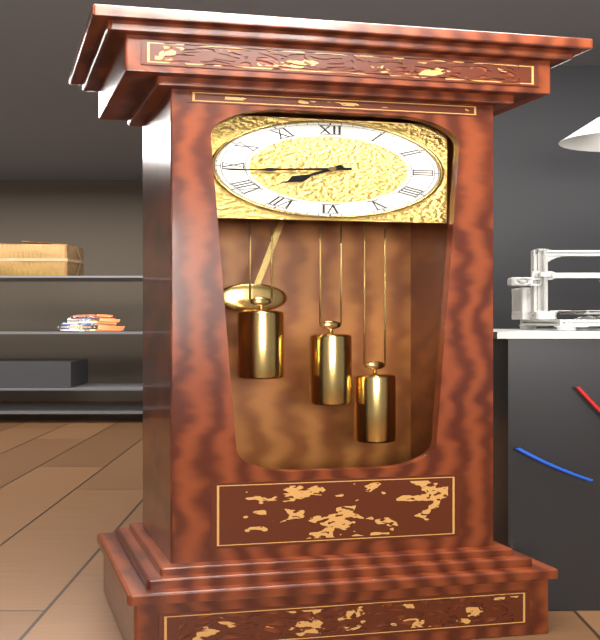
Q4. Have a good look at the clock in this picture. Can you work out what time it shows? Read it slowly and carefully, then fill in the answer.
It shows 7:44
